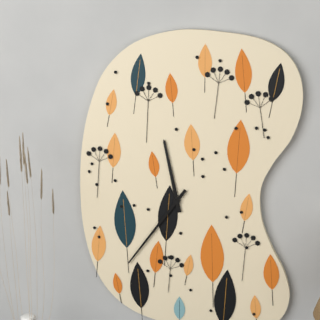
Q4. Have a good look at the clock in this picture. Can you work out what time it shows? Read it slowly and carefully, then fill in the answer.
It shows 11:36
